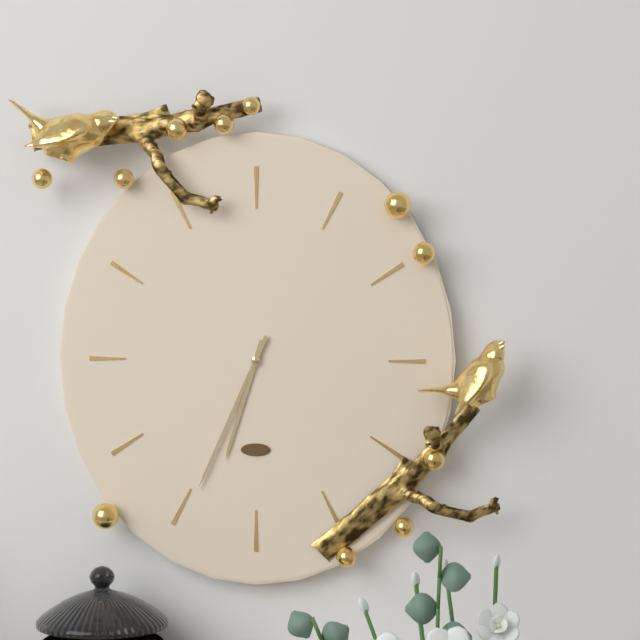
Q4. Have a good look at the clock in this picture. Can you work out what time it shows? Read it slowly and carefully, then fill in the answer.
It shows 6:34
